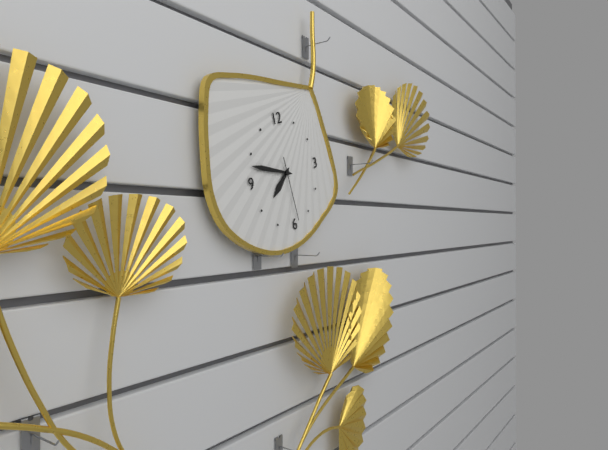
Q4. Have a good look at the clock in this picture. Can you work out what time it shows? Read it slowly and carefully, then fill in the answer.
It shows 7:48:29
